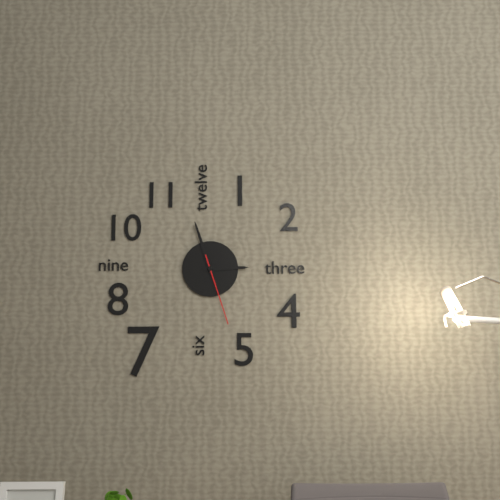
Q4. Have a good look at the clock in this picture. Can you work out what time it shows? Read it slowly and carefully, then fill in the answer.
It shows 2:57:27
